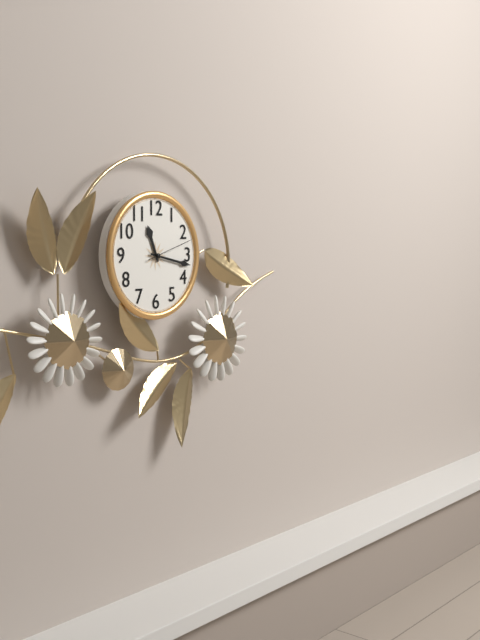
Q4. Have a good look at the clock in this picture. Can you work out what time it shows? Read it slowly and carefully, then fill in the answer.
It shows 11:17
